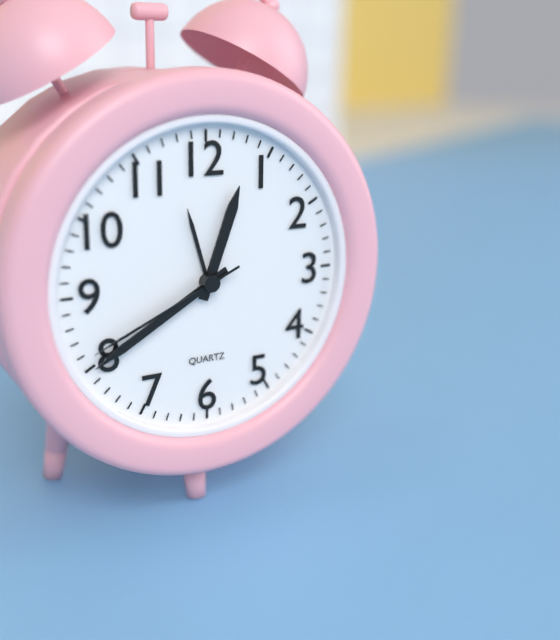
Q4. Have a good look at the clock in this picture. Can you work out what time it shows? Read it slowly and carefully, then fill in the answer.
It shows 12:40:41
